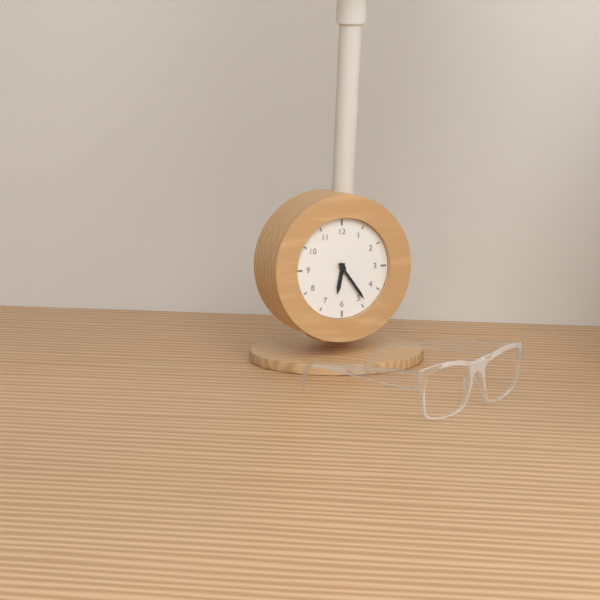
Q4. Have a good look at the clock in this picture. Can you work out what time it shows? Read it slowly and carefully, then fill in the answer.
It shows 6:24
